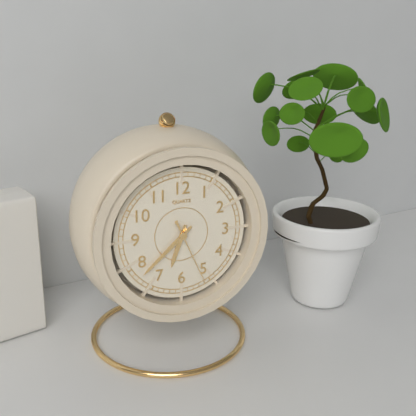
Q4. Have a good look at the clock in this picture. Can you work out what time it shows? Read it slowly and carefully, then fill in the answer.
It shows 6:38:26
